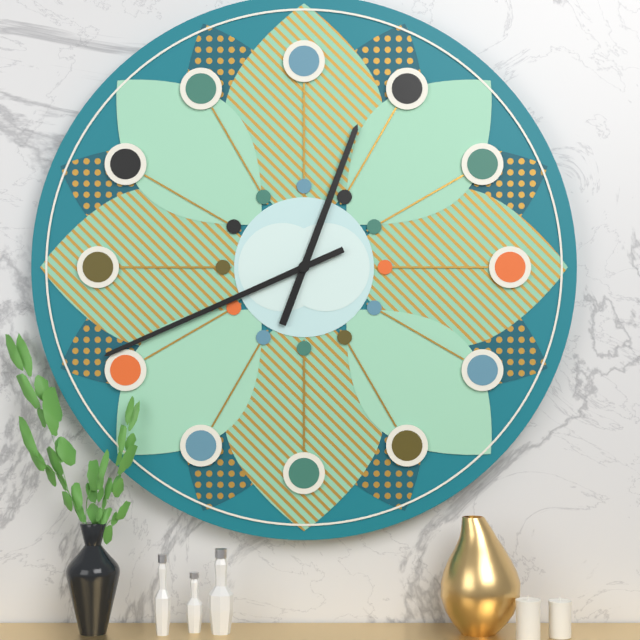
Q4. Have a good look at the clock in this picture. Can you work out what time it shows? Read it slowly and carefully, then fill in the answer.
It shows 12:41
